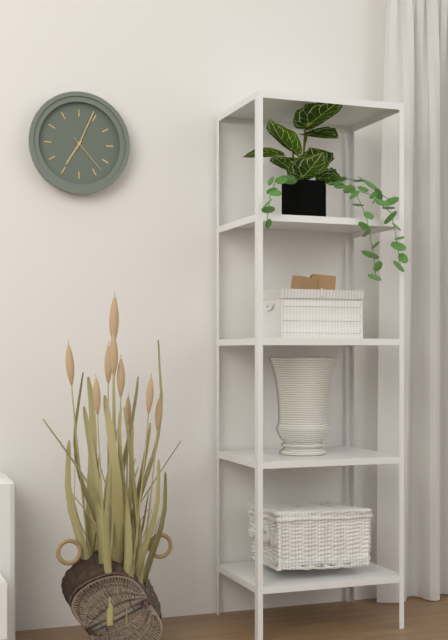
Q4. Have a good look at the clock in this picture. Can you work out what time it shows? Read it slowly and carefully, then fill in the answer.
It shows 7:04
